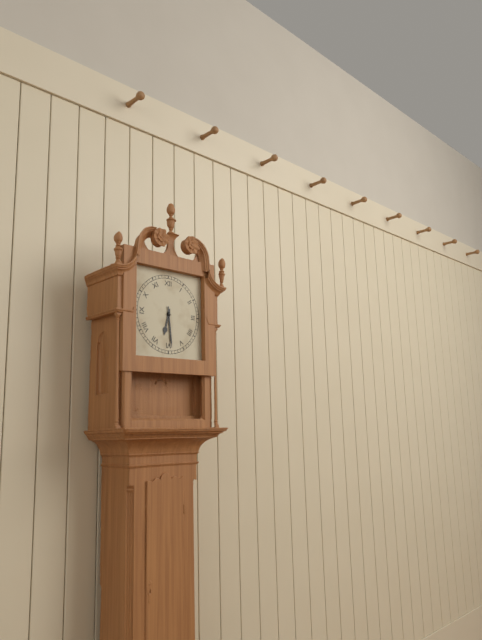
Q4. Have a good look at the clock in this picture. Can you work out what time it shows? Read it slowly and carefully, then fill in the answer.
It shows 6:29
